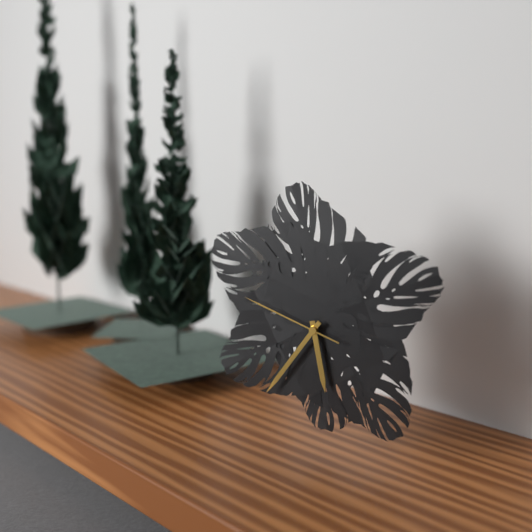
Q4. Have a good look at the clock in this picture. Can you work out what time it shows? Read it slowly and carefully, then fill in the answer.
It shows 5:36:48
